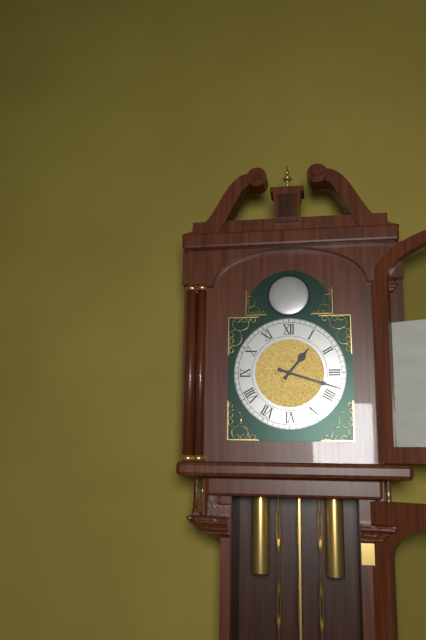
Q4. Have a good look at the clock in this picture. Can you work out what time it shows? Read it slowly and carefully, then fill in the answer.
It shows 1:18
